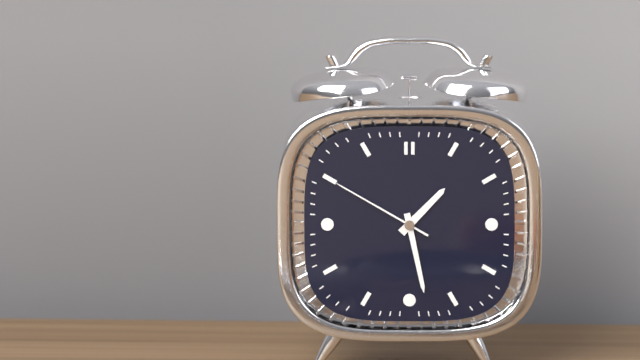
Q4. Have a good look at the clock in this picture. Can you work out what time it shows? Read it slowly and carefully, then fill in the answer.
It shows 1:28:50
